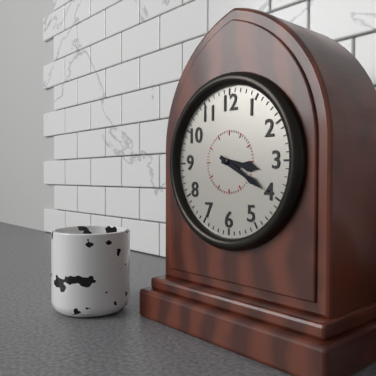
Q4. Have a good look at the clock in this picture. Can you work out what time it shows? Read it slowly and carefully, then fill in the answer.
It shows 3:20
